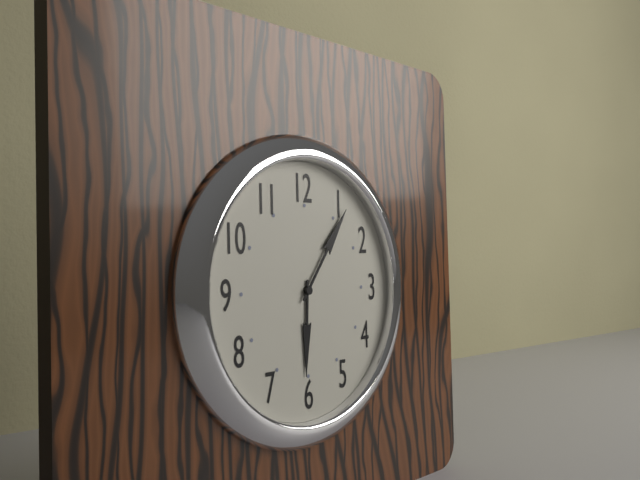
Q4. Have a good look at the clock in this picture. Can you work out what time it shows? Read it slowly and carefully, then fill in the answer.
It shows 6:06
